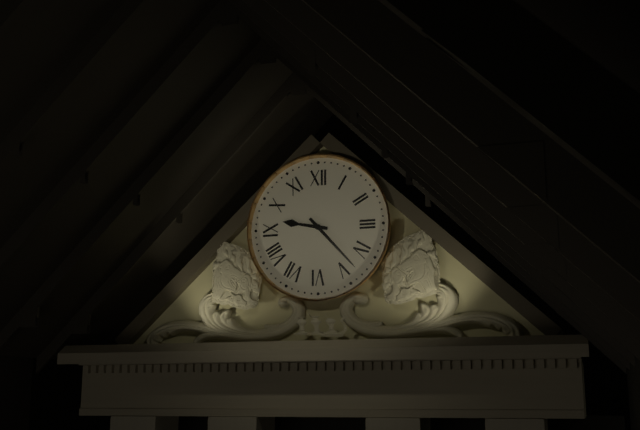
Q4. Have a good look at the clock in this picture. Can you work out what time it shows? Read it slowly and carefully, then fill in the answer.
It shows 9:23
